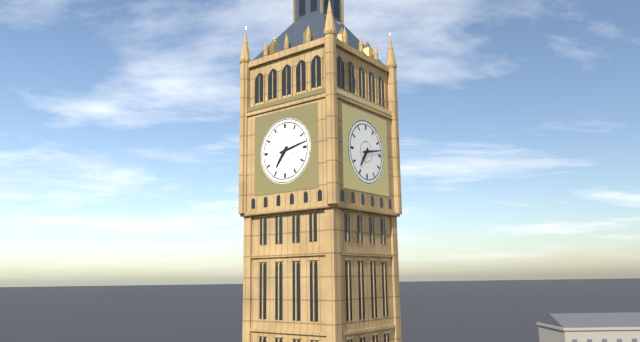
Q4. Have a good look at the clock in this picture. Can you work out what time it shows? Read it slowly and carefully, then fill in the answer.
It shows 7:13
